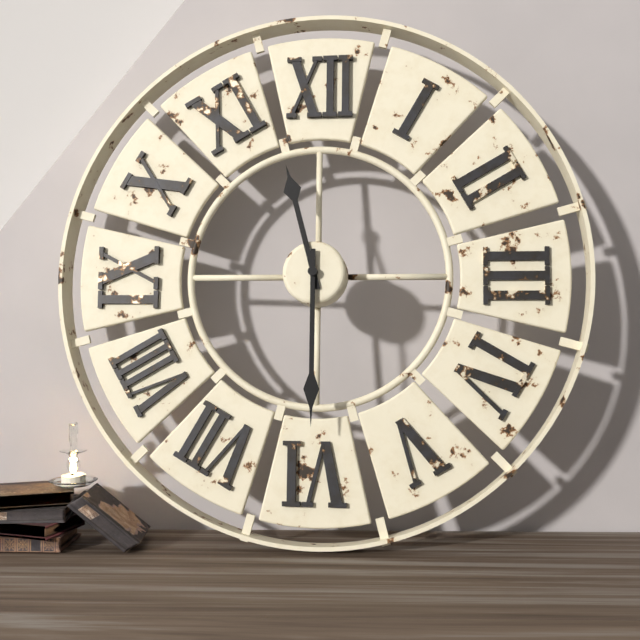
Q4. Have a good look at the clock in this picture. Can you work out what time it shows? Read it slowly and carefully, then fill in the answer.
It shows 11:30
